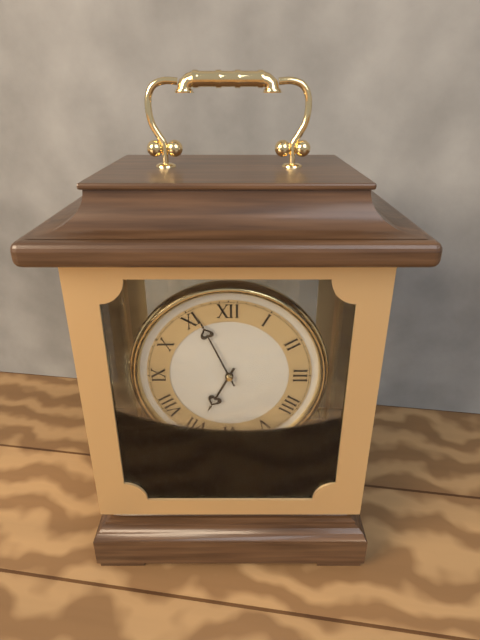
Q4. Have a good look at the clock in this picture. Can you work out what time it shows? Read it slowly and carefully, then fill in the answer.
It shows 6:56
